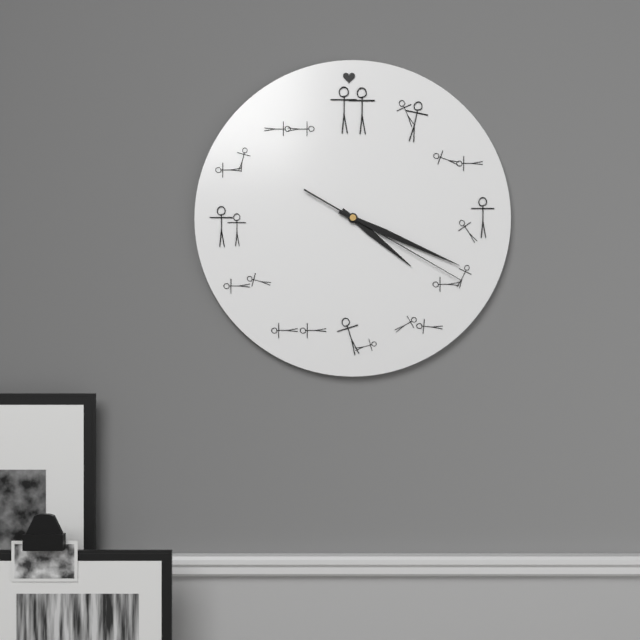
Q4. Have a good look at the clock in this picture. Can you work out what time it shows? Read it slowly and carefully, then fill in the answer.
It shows 4:19:20
